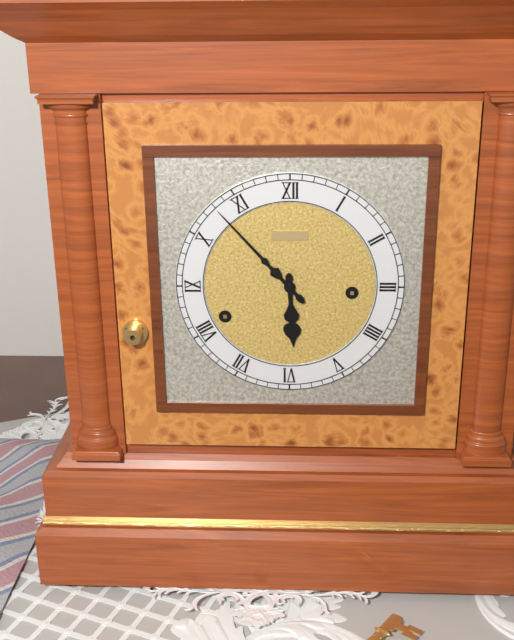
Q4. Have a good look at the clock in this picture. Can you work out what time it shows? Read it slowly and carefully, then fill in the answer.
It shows 5:53
